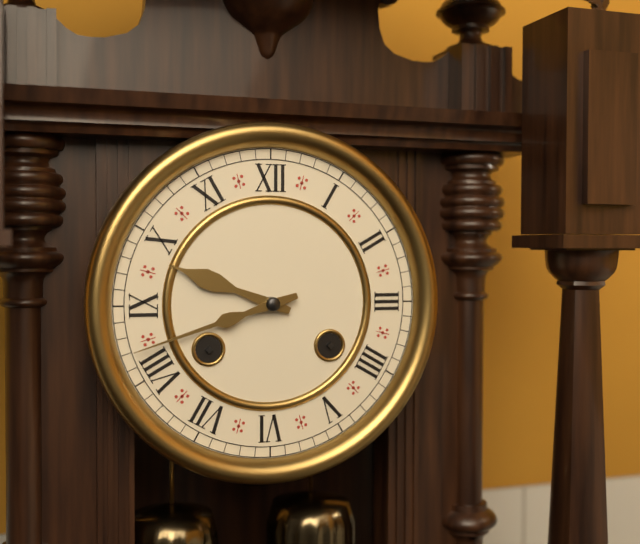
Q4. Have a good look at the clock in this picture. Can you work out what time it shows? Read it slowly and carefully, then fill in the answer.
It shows 9:42
